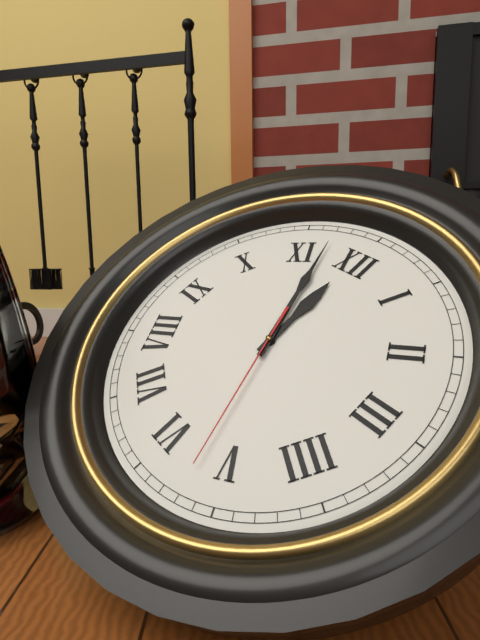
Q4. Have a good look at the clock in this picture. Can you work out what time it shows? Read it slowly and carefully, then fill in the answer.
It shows 11:57:27
